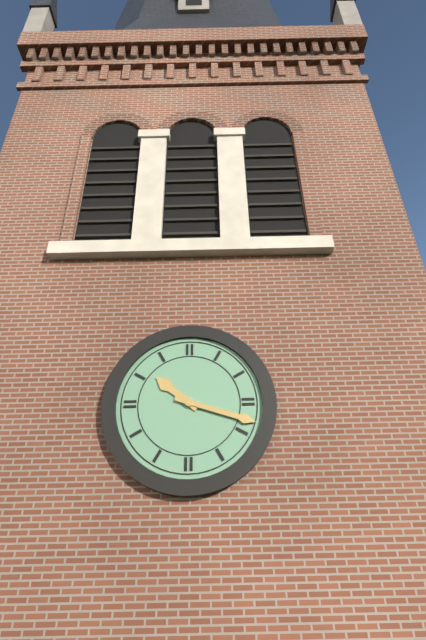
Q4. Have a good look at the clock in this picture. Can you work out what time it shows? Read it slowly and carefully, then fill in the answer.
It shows 10:18
